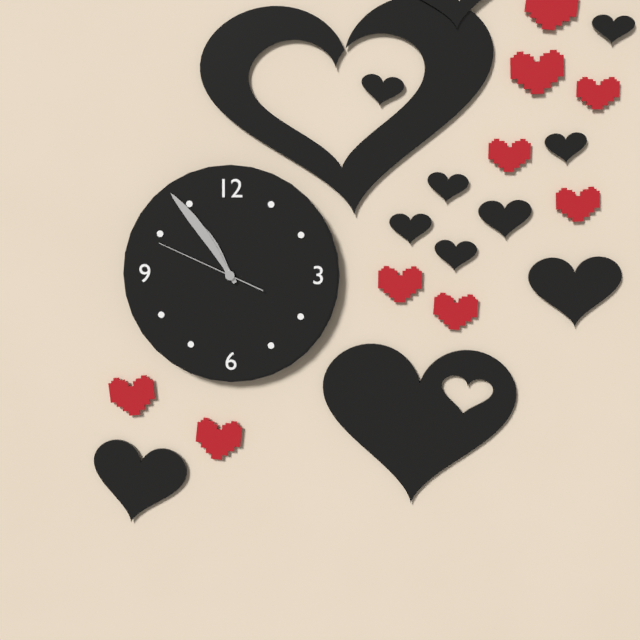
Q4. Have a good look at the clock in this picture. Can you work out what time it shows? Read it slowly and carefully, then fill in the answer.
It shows 10:54:49
